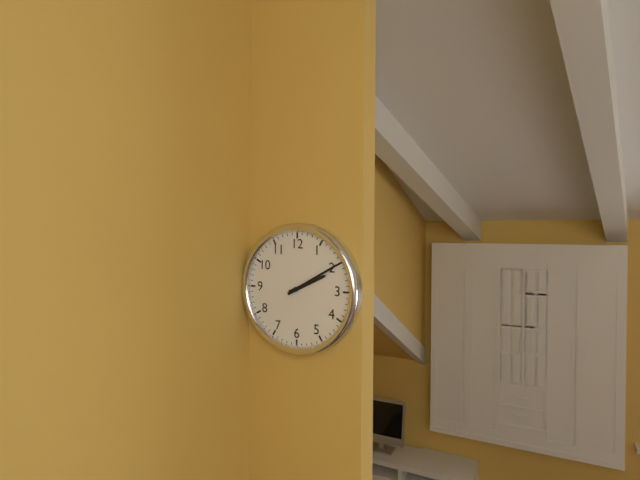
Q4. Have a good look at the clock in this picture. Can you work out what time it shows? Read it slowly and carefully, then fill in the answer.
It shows 2:10
